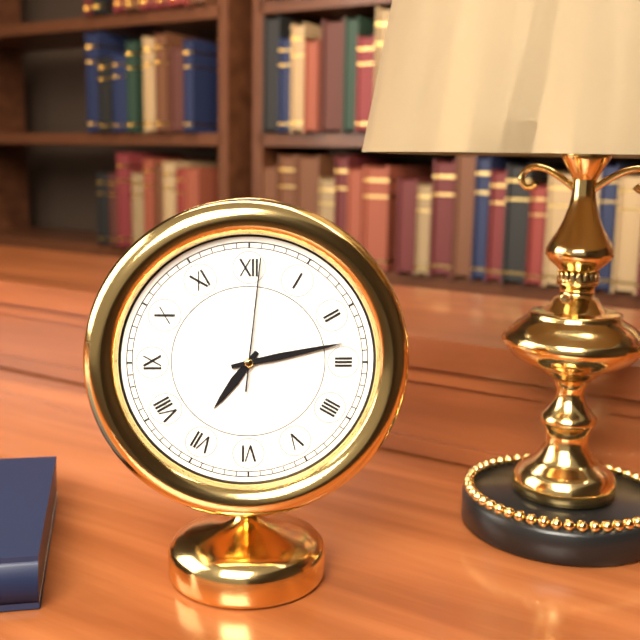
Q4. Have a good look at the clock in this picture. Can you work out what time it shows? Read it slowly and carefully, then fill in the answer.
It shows 7:13:01
